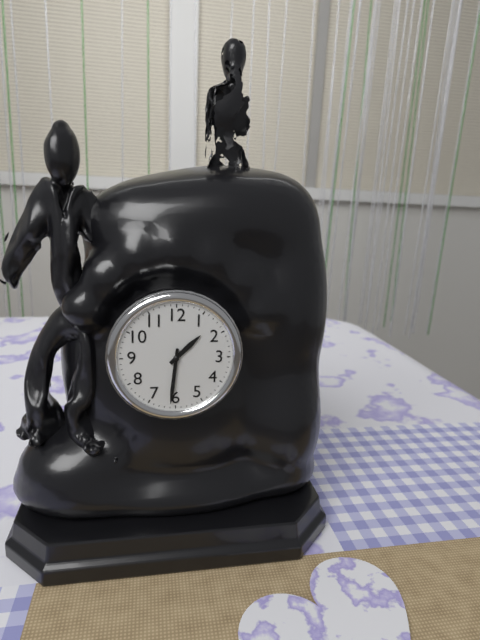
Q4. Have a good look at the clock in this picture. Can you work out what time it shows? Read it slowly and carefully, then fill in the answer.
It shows 1:31
